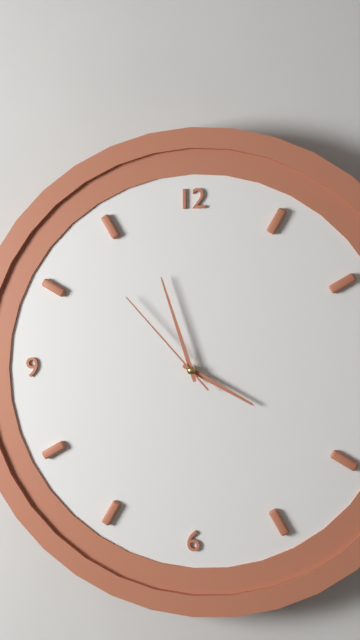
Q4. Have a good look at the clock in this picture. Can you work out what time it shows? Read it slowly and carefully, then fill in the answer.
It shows 3:57:53
